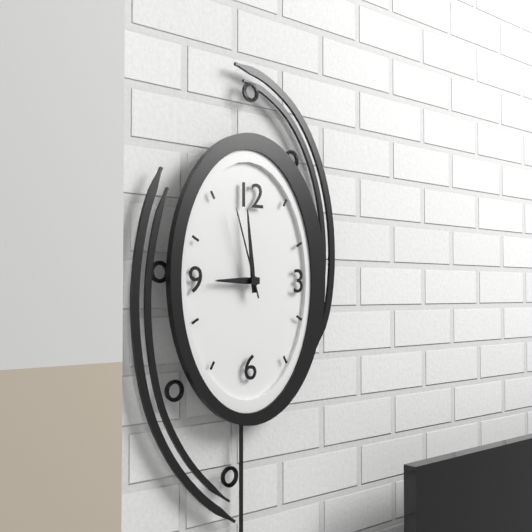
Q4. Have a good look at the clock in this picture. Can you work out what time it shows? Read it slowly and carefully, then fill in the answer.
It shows 8:59:57
